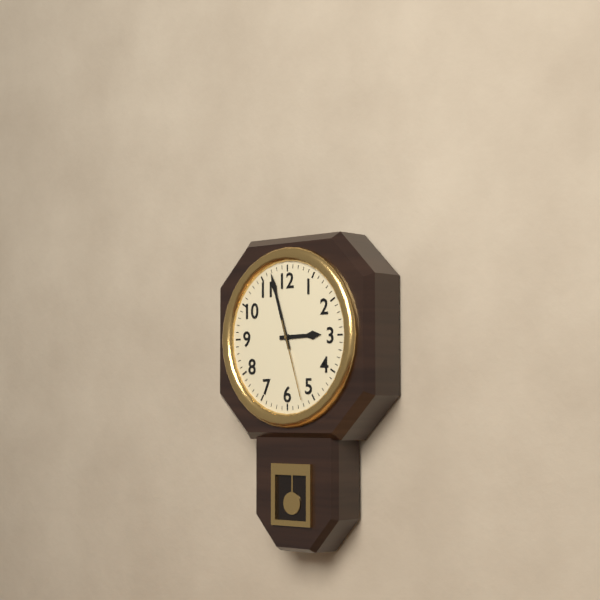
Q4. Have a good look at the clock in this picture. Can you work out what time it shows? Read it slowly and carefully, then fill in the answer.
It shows 2:57:27
